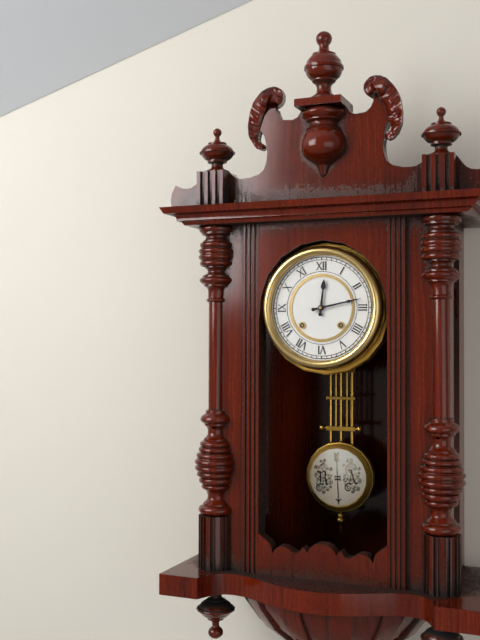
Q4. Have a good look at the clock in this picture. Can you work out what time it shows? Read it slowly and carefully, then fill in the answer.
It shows 12:13
